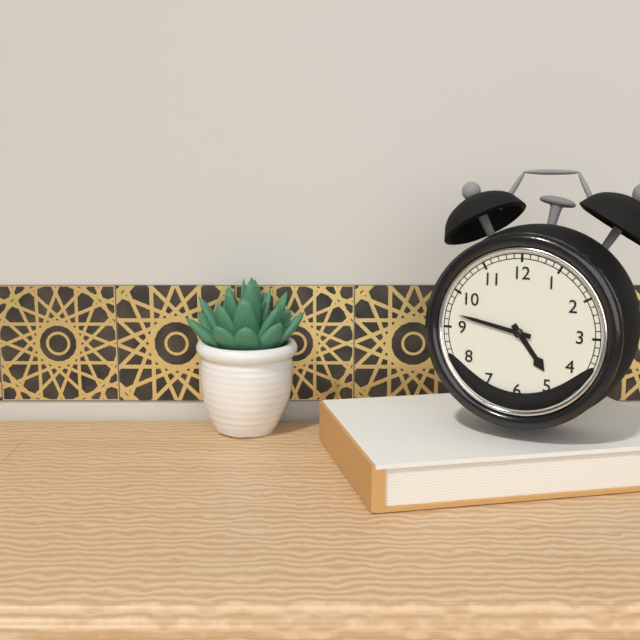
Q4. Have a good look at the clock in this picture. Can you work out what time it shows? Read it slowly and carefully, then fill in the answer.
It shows 4:47
